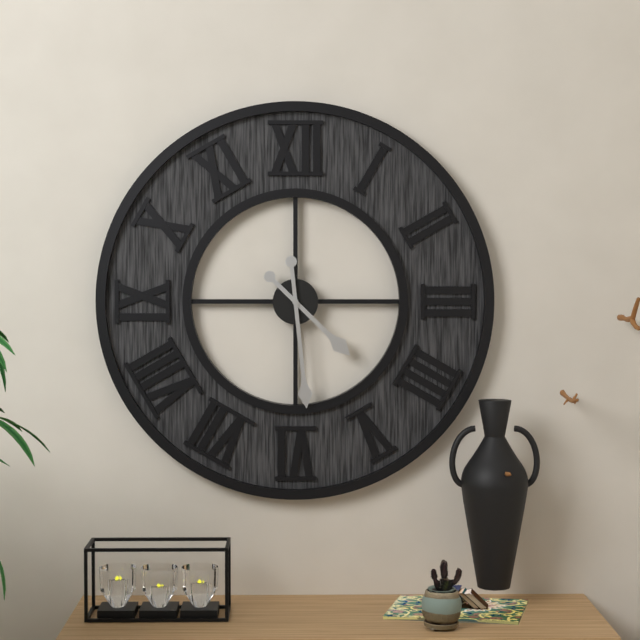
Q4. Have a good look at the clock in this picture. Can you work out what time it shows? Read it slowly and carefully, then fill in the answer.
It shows 4:29
